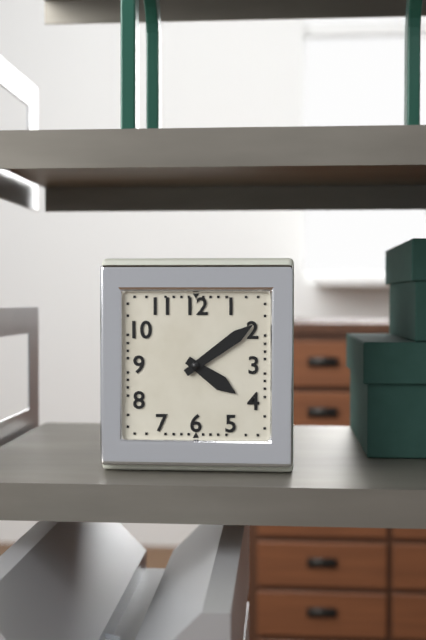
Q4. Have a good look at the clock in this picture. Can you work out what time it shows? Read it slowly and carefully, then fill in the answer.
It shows 4:09
